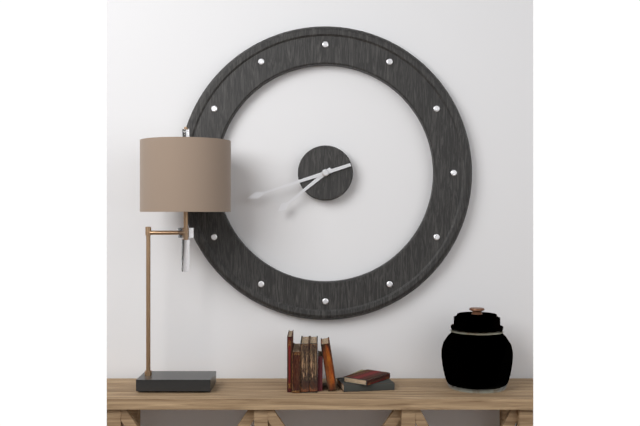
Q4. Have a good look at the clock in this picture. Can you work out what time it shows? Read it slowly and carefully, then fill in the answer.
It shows 7:42
